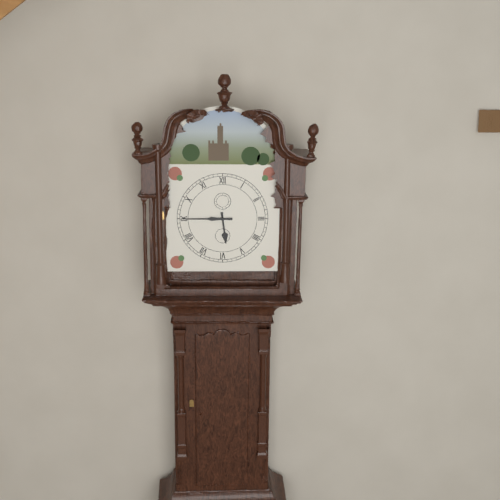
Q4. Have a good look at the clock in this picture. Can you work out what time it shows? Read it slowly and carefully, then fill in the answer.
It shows 5:45
